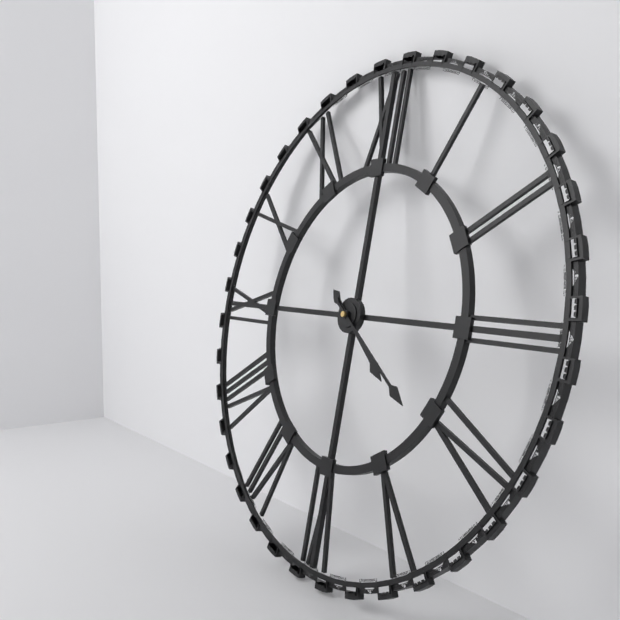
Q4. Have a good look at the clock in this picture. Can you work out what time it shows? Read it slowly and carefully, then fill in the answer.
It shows 4:21
